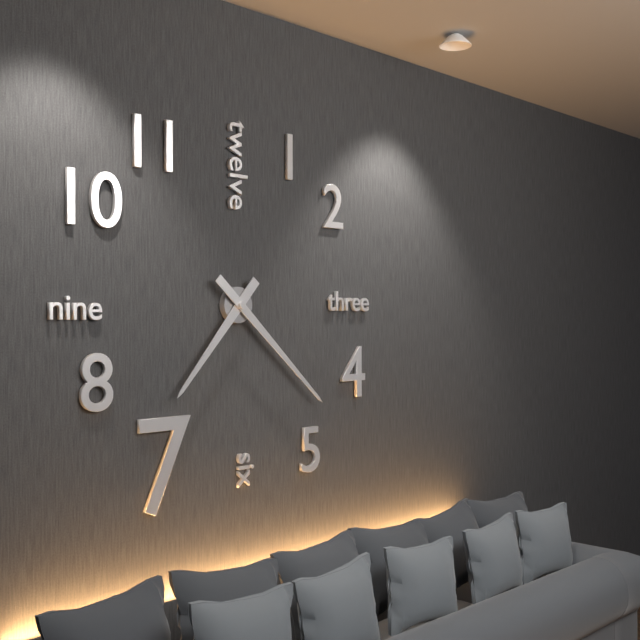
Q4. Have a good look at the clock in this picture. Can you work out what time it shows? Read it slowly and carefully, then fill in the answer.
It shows 7:22
